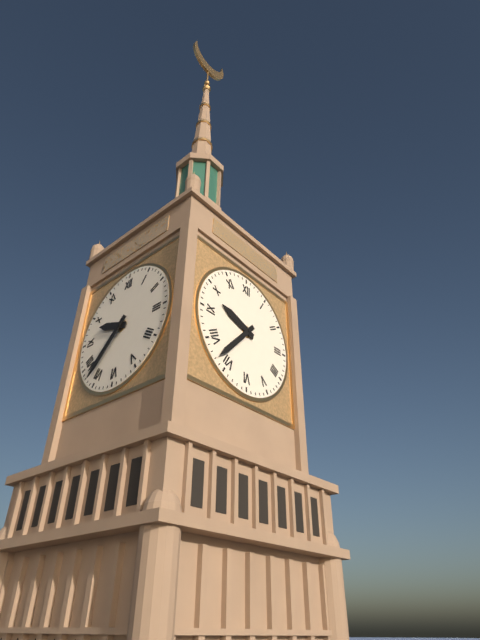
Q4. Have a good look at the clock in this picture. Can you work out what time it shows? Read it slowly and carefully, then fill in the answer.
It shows 9:37
